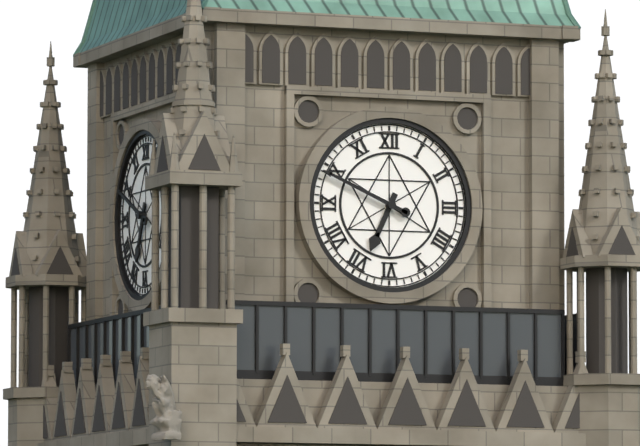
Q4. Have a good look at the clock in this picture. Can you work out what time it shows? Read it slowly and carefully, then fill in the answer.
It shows 6:49
